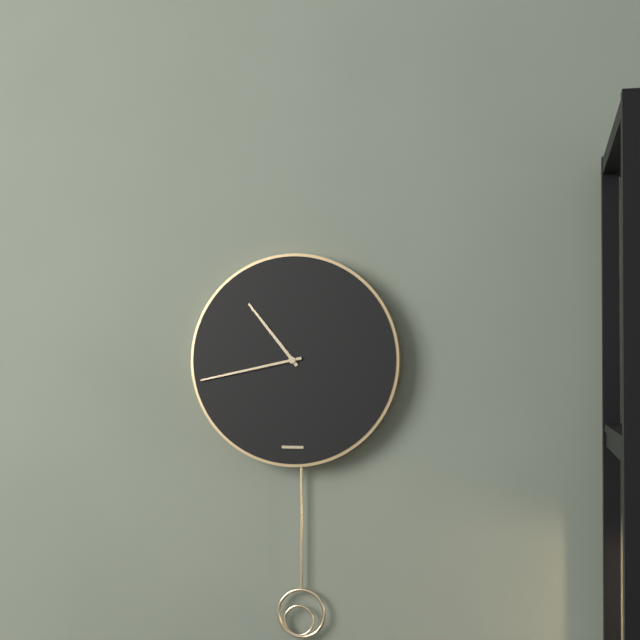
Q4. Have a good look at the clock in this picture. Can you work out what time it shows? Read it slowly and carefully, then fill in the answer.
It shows 10:43
